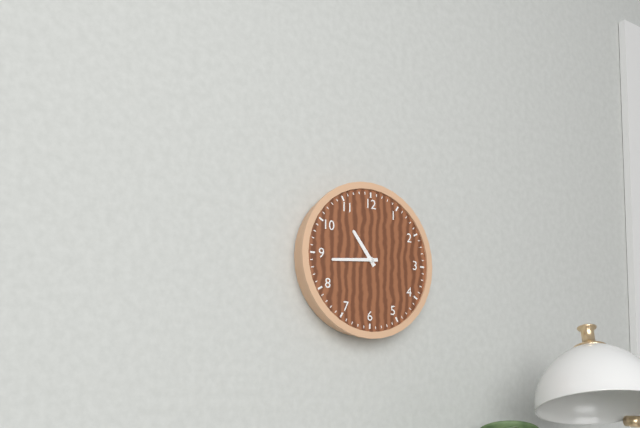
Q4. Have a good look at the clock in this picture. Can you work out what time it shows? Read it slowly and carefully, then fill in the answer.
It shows 10:44
